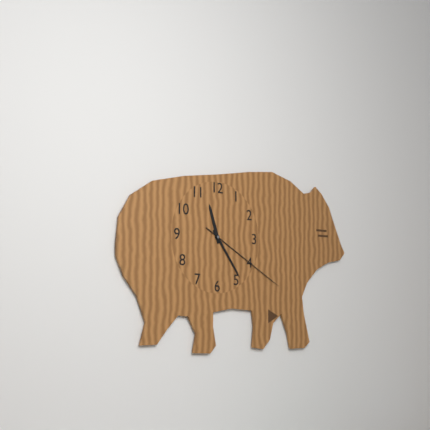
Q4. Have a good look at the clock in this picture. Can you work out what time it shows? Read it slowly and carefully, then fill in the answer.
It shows 11:24:20
